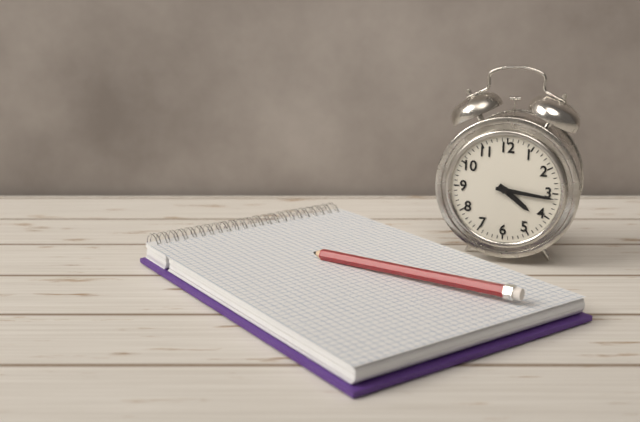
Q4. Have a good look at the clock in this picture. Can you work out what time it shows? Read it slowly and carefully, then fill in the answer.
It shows 4:16
